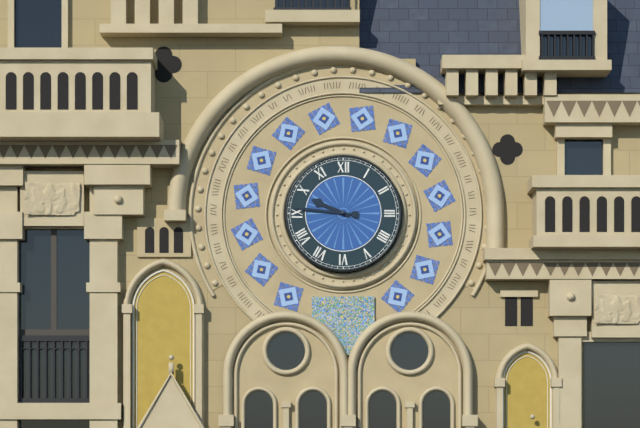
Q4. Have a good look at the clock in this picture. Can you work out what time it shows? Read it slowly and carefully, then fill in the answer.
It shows 9:46
